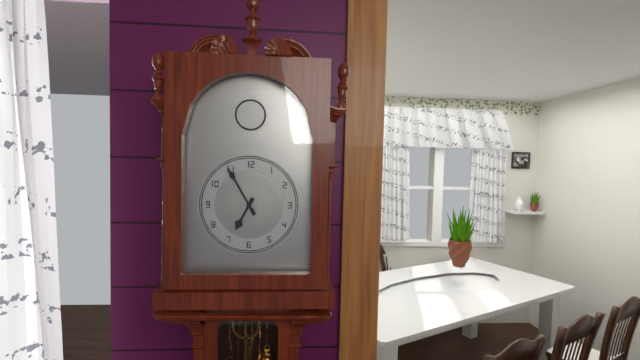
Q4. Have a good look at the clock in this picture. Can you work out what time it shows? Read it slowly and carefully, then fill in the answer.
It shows 6:55
